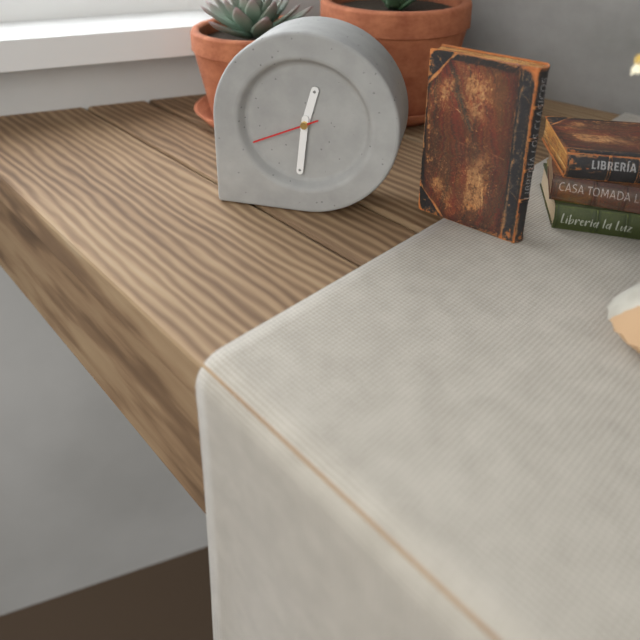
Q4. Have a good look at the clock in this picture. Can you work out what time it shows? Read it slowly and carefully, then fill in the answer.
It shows 12:31:41
